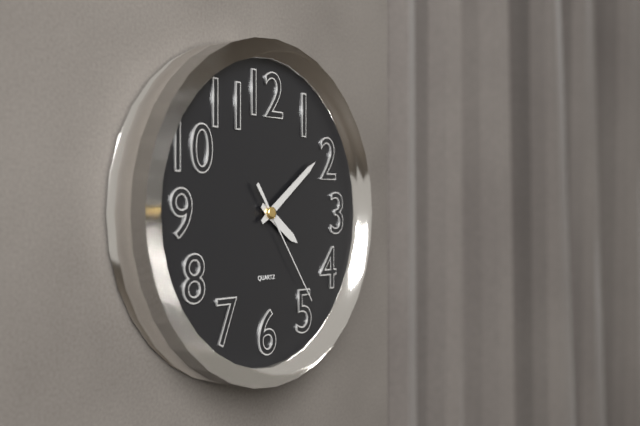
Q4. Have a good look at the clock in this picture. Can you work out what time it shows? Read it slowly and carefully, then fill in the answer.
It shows 4:09:24
